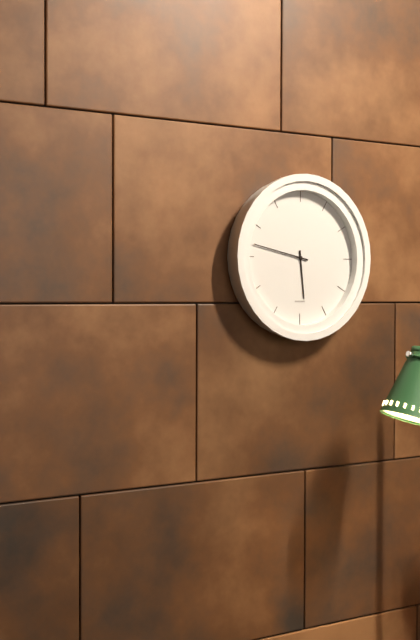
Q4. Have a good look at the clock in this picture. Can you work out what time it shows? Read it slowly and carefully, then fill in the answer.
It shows 5:47
